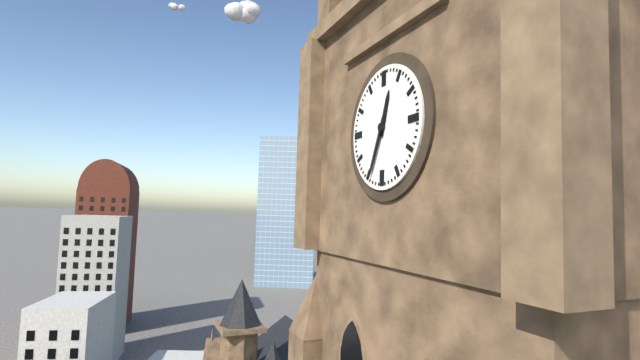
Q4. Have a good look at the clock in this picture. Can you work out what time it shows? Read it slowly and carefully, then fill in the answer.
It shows 12:34
